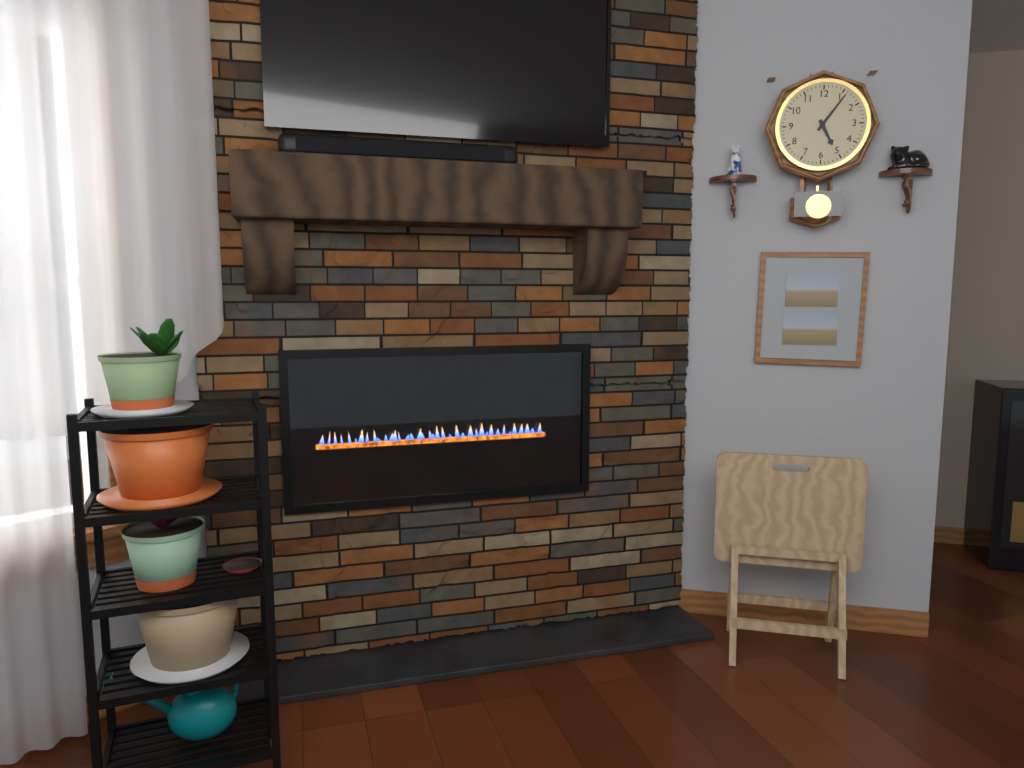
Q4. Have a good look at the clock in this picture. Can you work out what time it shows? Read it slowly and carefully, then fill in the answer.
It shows 5:06
